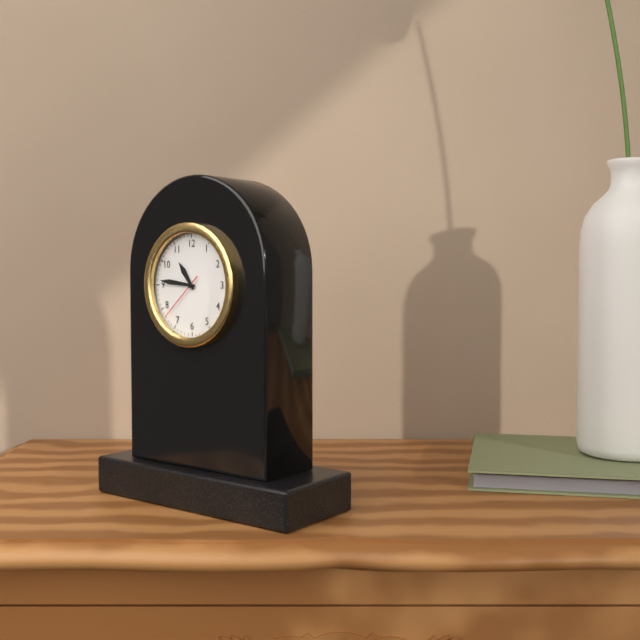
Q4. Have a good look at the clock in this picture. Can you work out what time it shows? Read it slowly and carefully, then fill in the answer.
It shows 10:46:38
